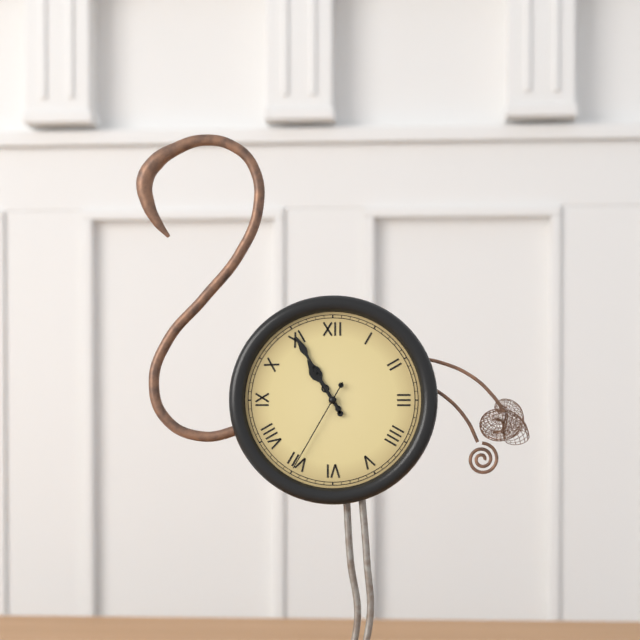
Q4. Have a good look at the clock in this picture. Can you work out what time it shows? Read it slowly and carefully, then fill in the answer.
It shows 10:55:35
